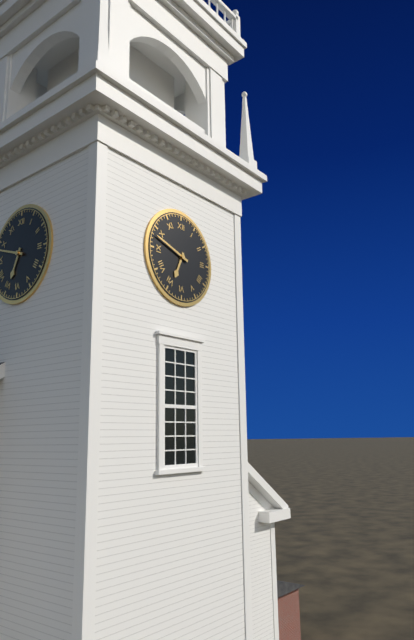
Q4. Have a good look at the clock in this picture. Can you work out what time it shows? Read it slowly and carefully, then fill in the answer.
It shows 6:48
